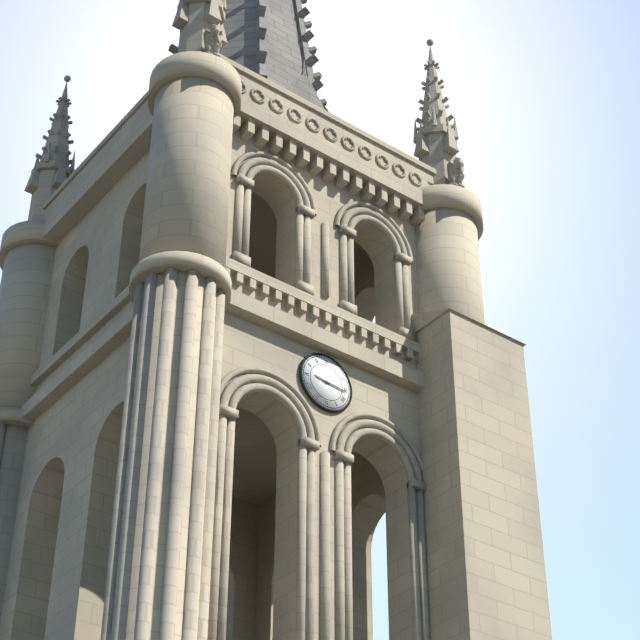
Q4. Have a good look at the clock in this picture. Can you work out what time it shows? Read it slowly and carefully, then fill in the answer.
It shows 9:16
